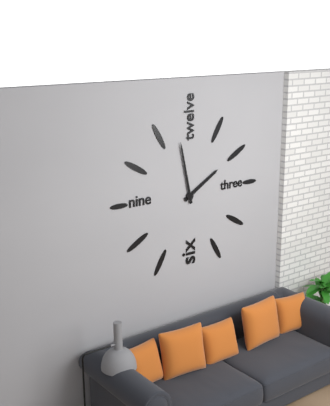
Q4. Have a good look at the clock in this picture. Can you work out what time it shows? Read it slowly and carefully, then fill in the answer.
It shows 1:58
